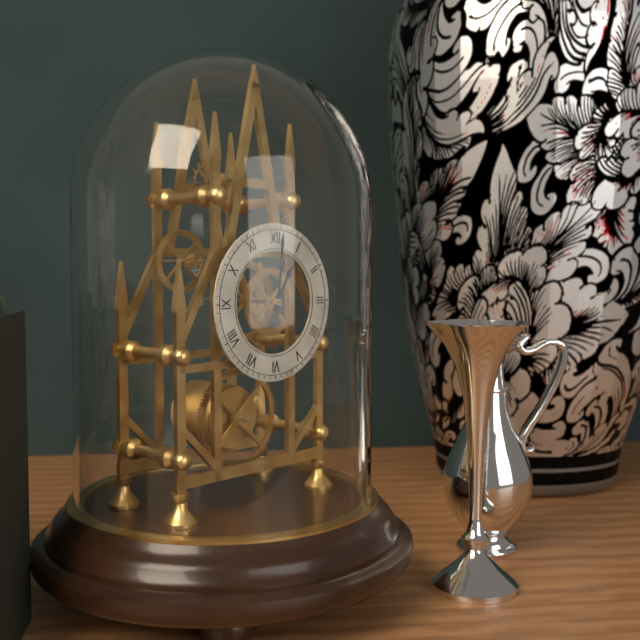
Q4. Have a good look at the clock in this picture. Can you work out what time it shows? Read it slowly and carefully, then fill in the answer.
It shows 1:01
